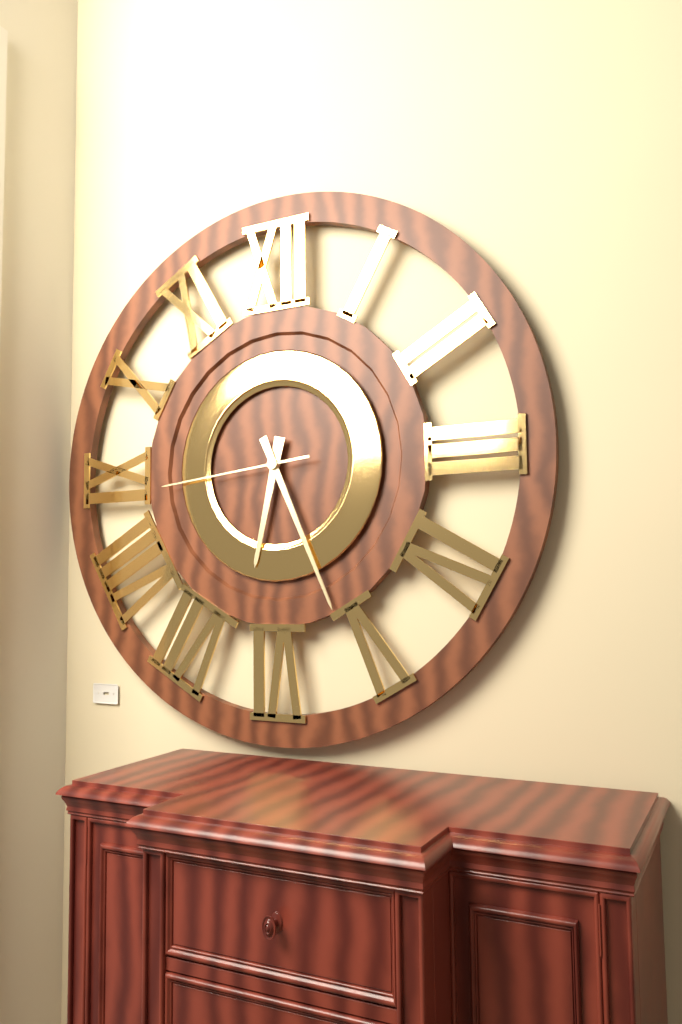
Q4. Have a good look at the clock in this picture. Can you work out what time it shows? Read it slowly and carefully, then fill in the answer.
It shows 6:26:44
